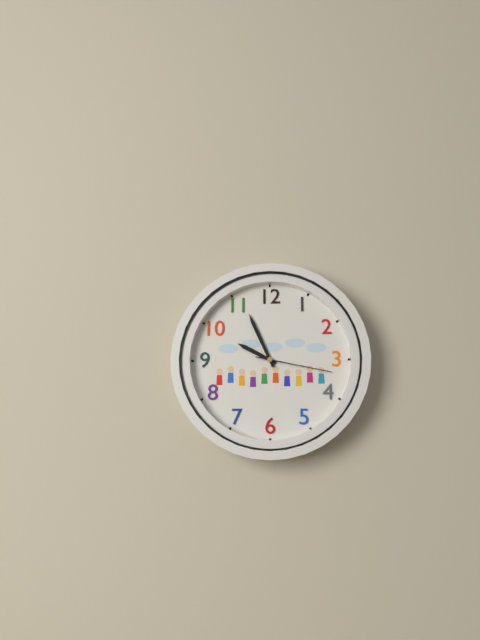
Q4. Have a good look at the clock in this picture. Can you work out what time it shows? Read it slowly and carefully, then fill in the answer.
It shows 9:56:17
